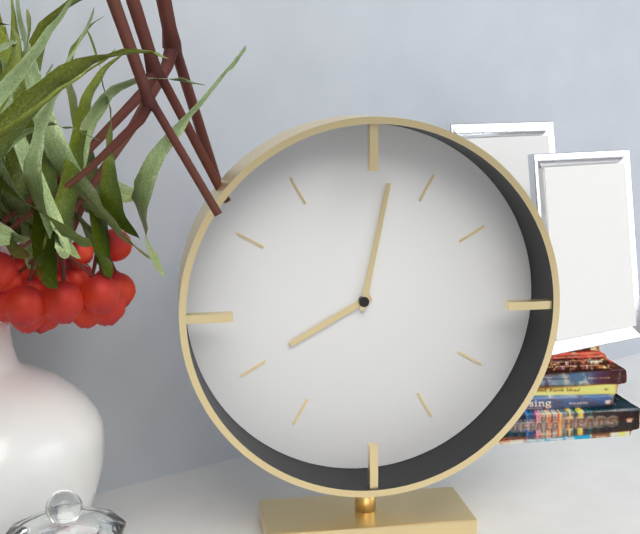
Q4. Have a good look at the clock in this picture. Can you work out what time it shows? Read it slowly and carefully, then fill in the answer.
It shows 8:02
